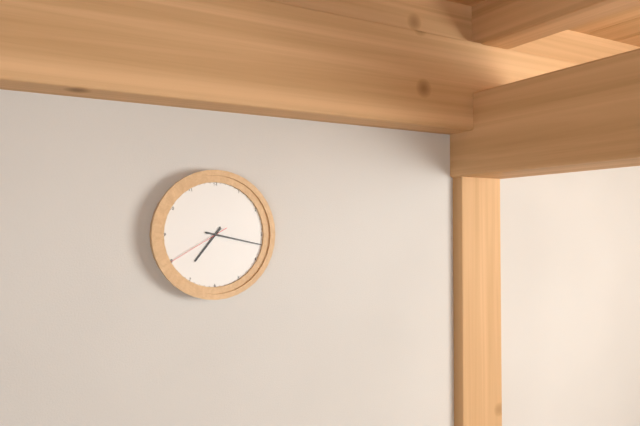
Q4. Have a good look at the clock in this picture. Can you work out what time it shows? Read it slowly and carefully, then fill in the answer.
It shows 7:17:40
